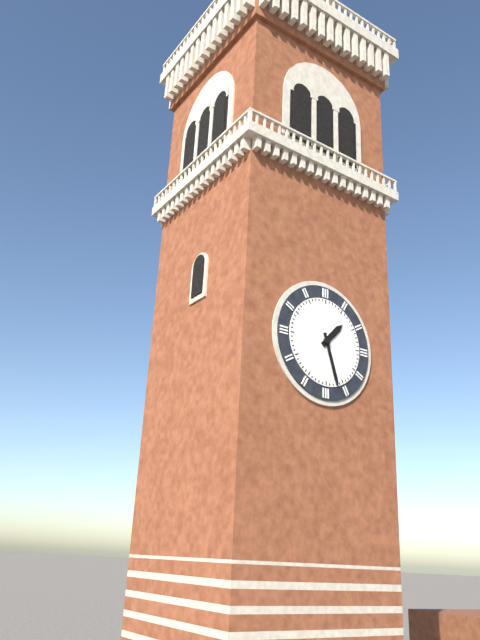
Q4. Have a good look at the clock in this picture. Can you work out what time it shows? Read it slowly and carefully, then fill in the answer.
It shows 1:27
